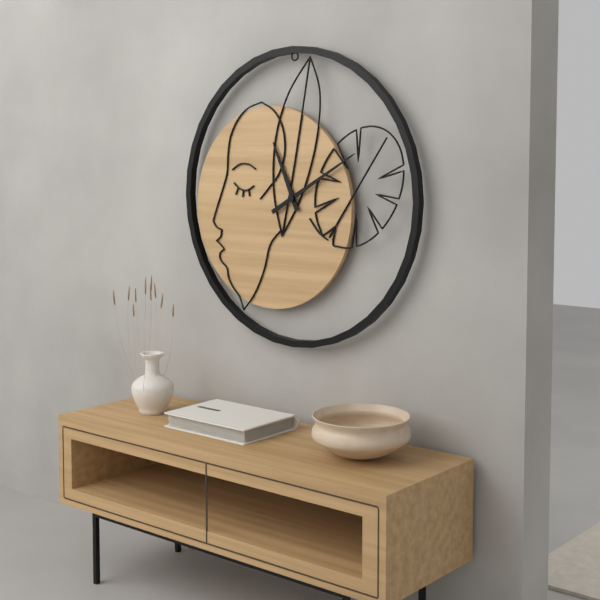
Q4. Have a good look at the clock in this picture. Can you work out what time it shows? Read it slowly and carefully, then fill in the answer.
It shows 11:10
